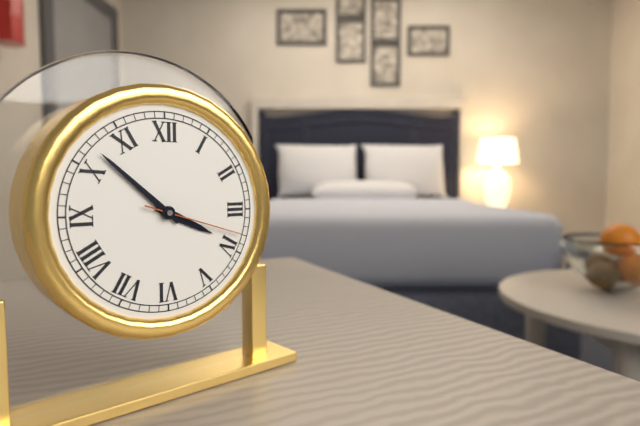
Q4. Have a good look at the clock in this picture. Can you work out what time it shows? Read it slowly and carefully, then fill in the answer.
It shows 3:52:18
